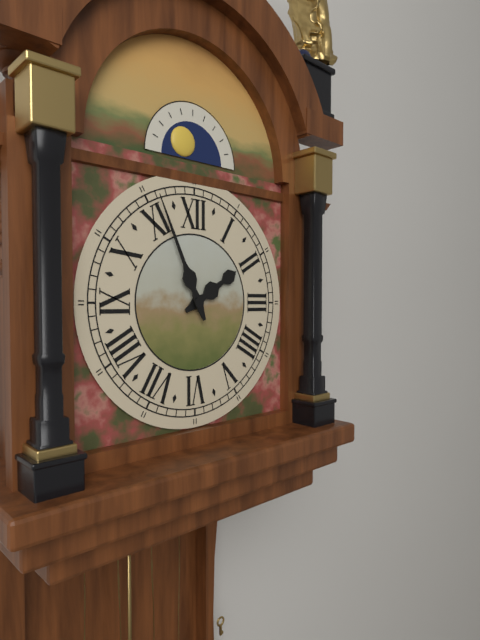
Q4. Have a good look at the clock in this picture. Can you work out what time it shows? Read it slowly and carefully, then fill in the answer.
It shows 1:56
